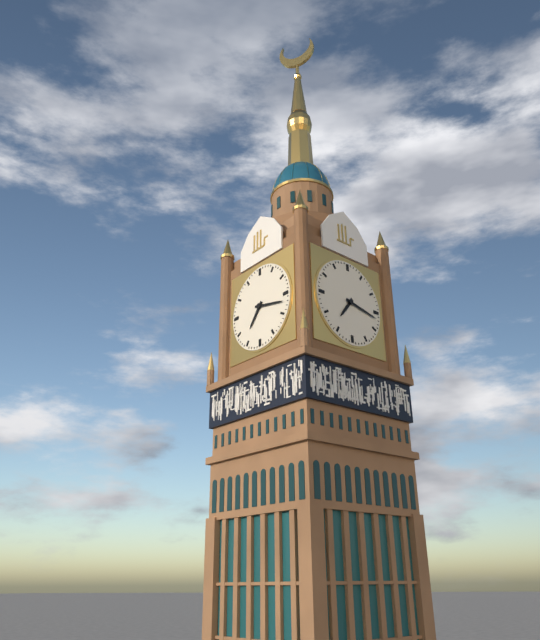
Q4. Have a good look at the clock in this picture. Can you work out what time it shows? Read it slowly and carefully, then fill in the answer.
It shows 7:17
